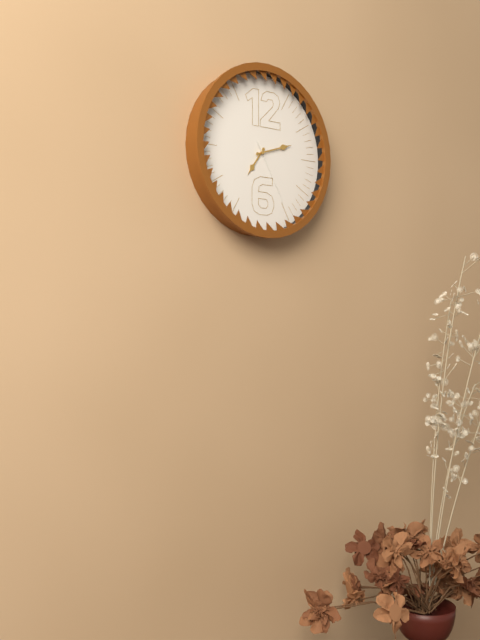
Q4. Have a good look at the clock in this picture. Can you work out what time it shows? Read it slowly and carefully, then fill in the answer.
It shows 7:12:25
